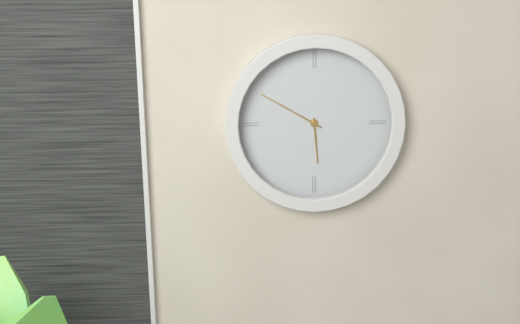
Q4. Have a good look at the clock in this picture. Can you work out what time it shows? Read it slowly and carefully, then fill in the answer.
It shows 5:50
